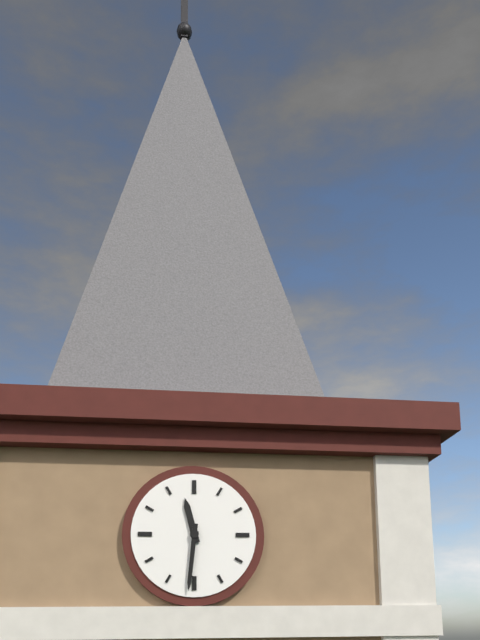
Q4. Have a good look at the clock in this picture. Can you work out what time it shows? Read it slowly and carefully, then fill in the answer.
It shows 11:31
